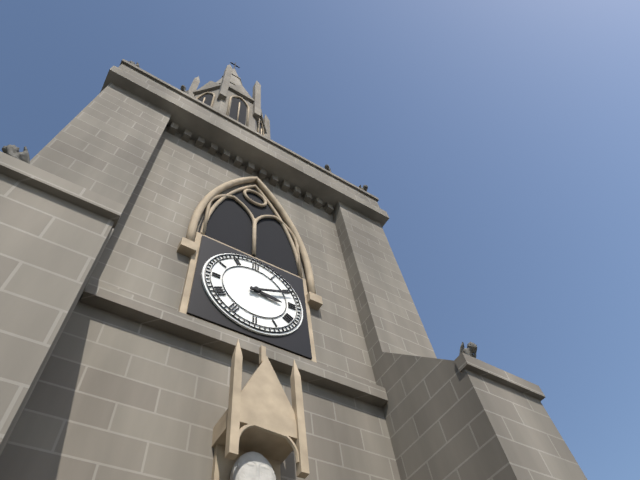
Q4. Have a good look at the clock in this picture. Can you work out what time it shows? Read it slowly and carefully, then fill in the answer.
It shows 3:11
